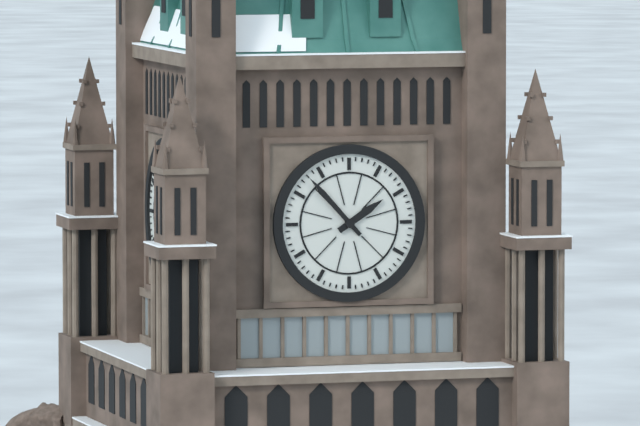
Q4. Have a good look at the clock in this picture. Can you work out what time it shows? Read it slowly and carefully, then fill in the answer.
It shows 1:53
